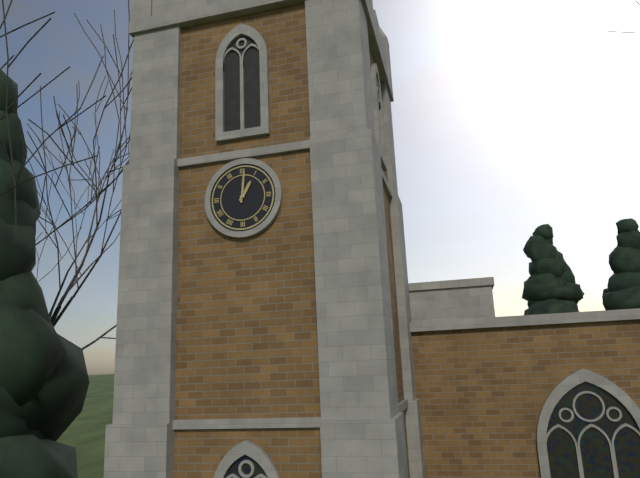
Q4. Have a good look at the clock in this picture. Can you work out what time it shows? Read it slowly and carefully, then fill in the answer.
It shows 1:01
